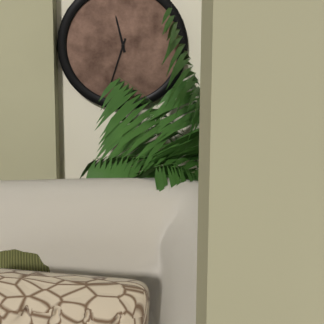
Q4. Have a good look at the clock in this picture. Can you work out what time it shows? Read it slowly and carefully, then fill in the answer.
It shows 11:33
